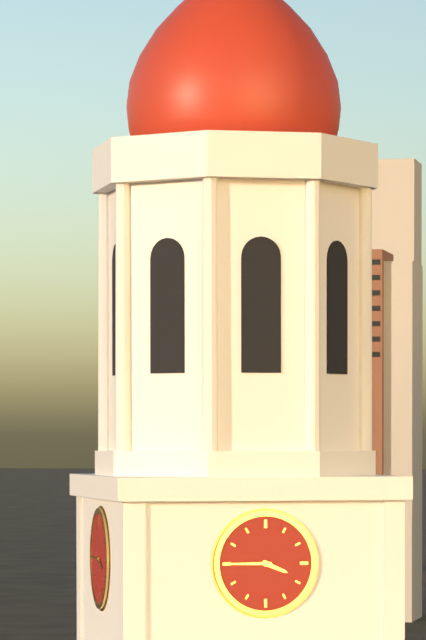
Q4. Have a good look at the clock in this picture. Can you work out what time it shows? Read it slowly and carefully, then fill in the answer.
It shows 3:45
